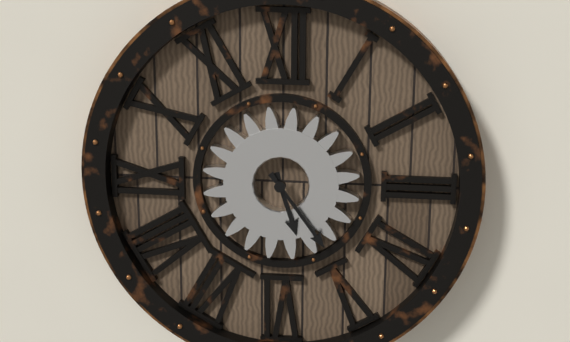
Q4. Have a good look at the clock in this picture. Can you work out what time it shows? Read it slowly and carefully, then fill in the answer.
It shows 5:24
